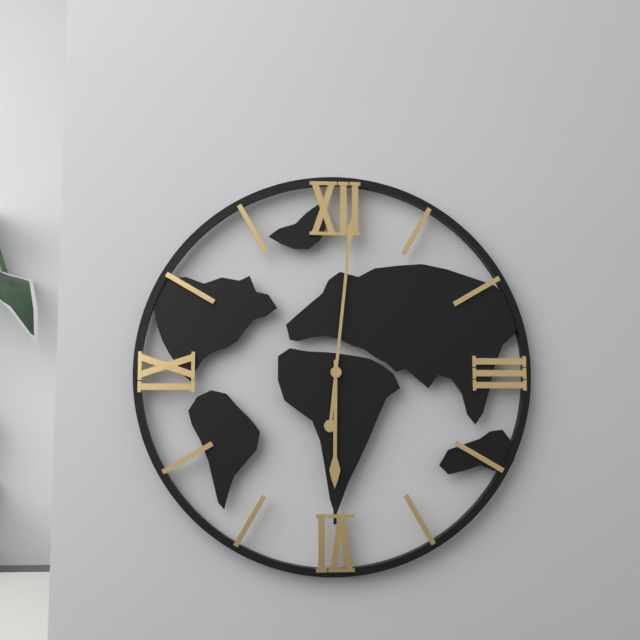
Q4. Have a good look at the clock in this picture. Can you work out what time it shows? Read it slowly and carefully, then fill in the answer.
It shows 6:01
